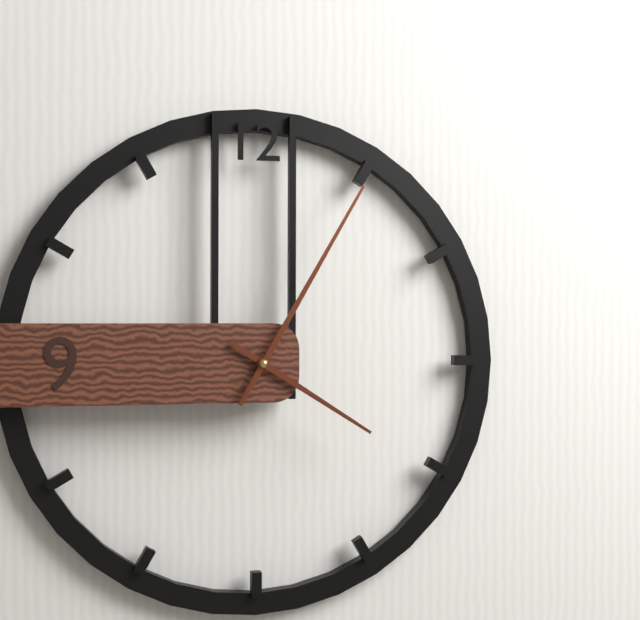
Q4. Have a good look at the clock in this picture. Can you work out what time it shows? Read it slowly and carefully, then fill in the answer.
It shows 4:05
